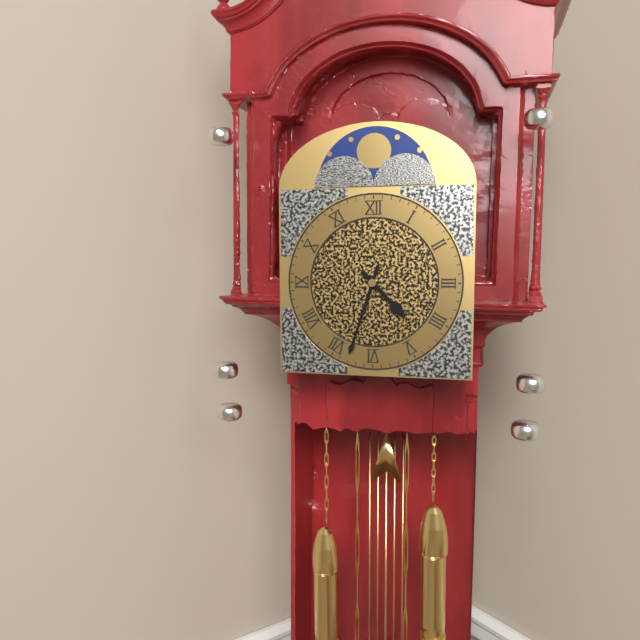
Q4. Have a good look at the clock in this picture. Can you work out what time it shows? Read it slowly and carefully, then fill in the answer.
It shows 4:33
